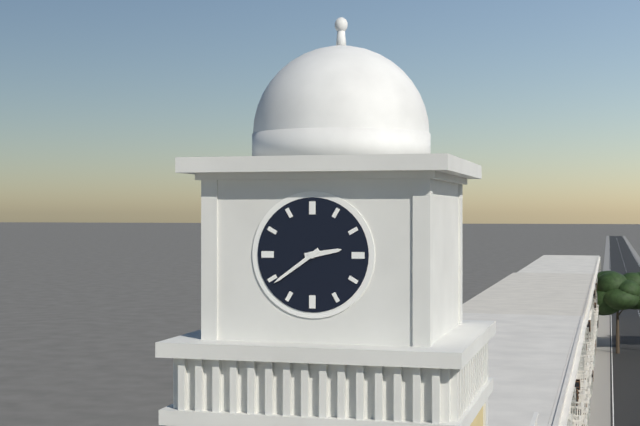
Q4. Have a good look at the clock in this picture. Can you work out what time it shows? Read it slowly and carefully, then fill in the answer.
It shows 2:39
